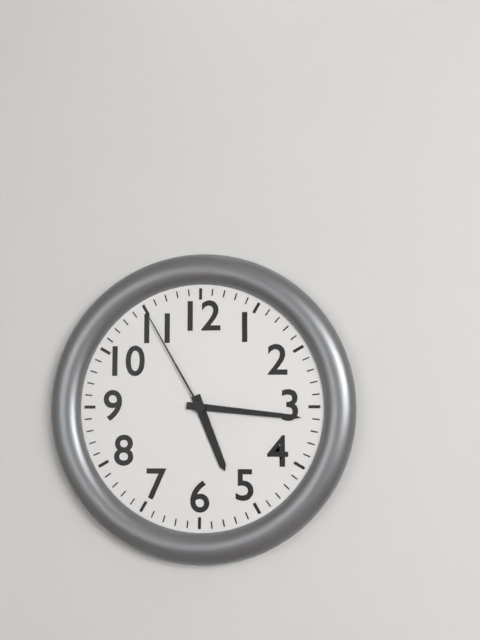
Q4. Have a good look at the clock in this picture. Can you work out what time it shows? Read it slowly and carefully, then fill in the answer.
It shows 5:16:55
